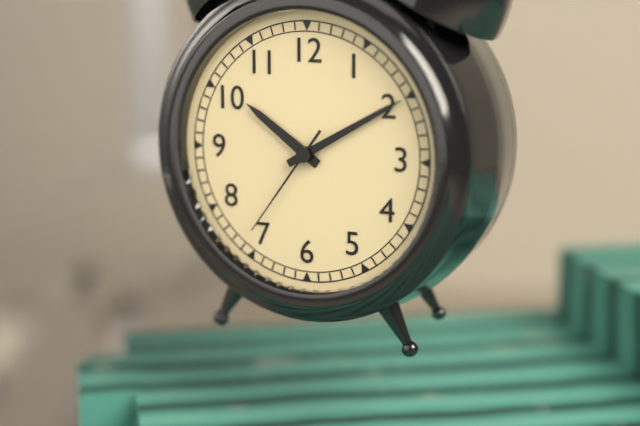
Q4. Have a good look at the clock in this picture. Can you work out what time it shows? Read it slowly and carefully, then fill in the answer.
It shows 10:10:36
